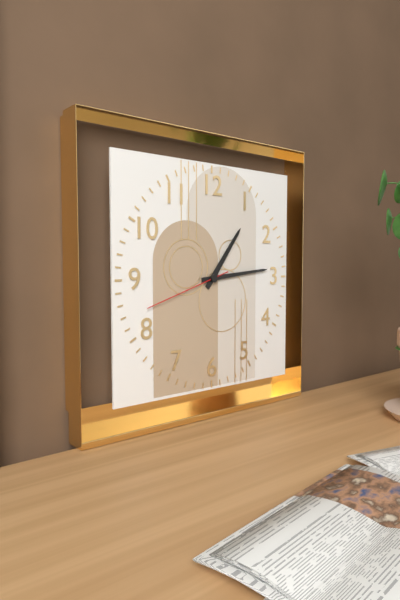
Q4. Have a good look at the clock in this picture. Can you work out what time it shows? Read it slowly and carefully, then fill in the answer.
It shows 1:14:42
